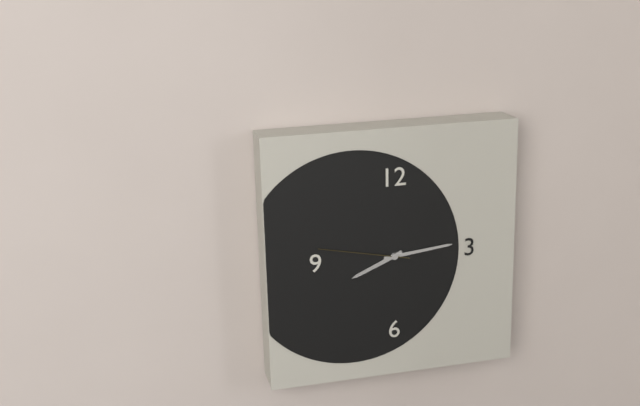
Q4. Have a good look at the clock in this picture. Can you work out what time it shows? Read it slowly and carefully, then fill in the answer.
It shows 8:14:47
